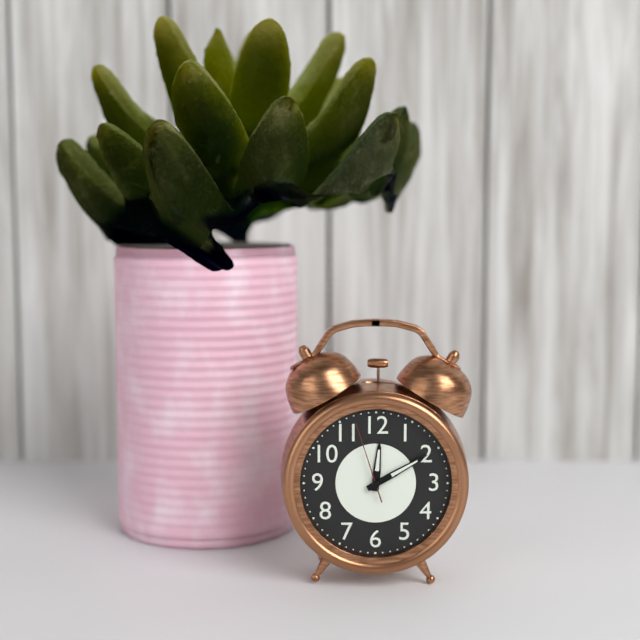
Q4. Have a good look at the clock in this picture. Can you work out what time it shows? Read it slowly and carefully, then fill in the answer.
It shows 12:10:57
